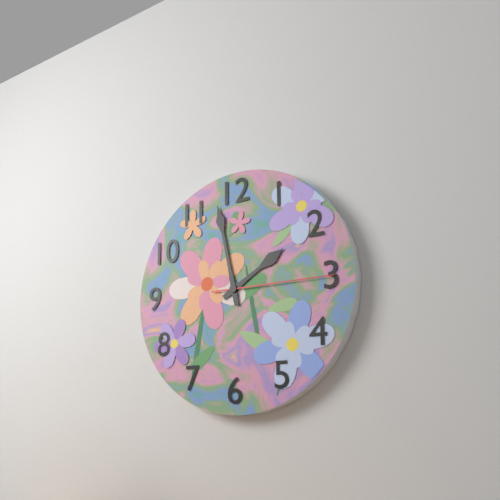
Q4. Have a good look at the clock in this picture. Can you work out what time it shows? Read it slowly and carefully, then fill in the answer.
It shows 1:58:15
